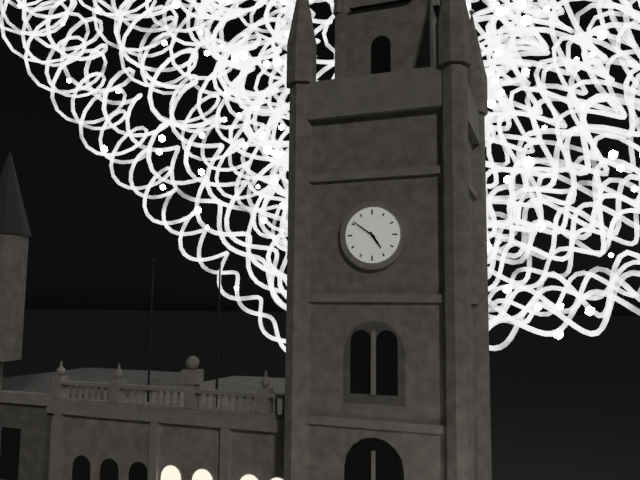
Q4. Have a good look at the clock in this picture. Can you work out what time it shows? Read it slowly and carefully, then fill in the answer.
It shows 4:51
